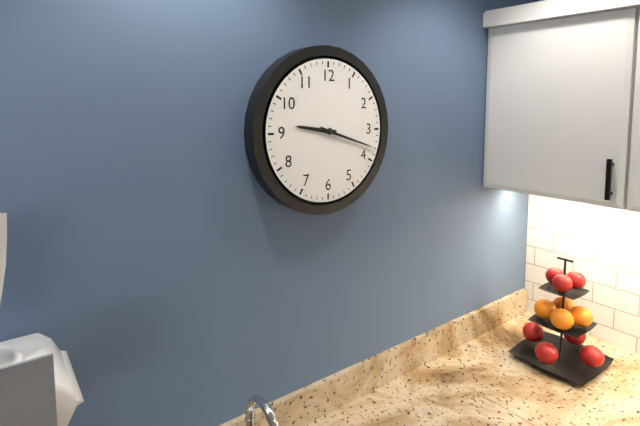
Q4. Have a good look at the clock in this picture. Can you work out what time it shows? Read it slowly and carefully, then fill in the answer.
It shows 9:18
